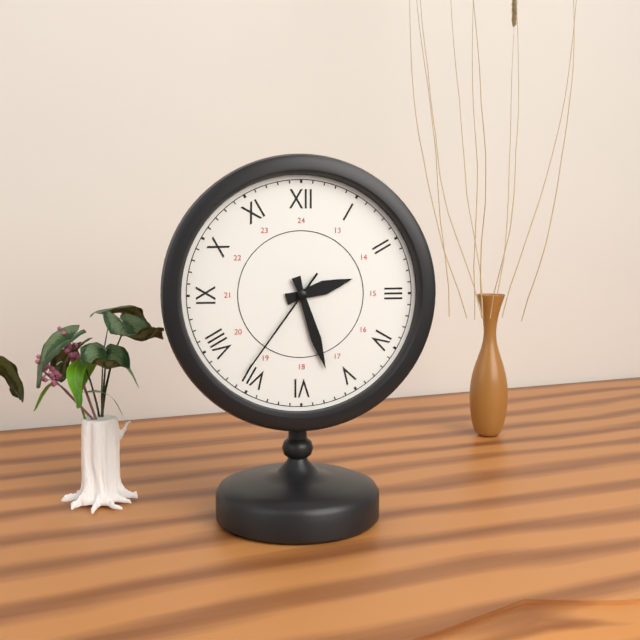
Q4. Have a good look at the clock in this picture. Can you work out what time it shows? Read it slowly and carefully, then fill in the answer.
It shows 2:27:36
